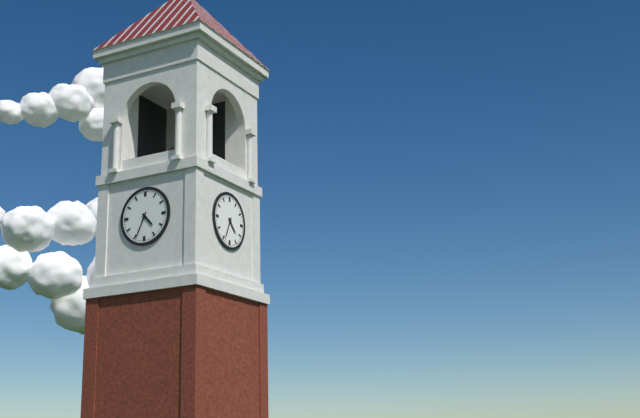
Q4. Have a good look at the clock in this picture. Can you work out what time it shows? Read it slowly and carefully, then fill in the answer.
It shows 4:34
